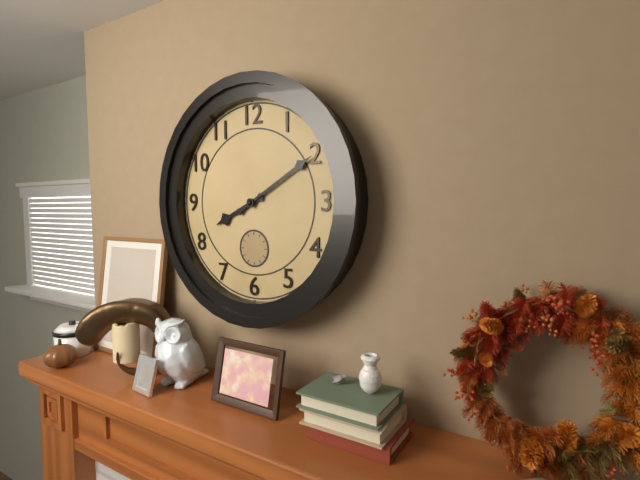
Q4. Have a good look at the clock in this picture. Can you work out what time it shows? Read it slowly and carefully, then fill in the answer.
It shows 8:10
